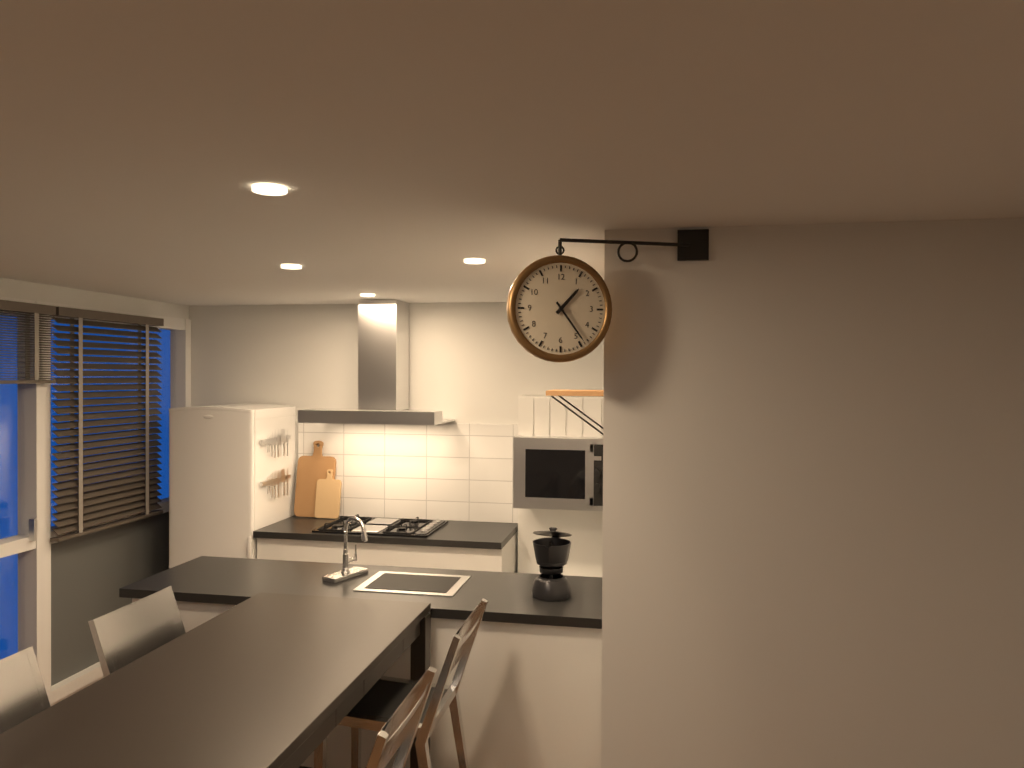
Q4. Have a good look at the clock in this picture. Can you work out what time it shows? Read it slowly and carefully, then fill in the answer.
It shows 1:24
